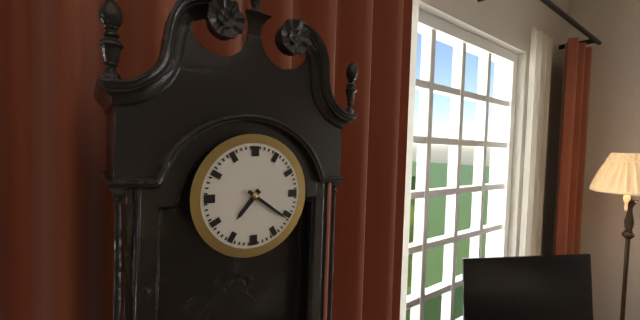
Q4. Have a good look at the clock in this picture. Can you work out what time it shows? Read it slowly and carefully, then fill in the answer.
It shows 7:21
